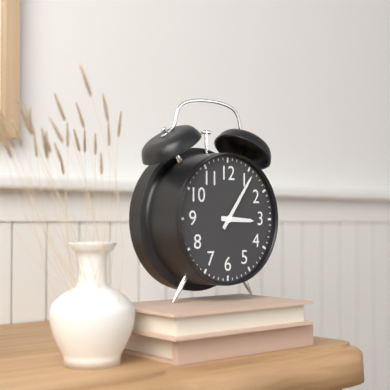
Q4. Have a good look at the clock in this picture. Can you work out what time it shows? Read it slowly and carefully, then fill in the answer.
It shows 3:06
